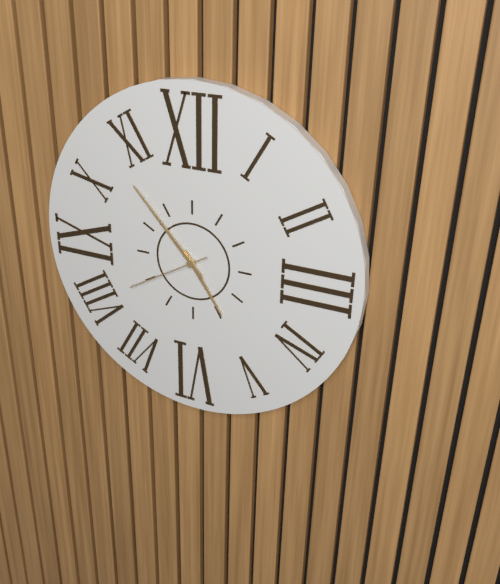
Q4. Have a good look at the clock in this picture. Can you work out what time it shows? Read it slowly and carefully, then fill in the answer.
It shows 4:53:40
